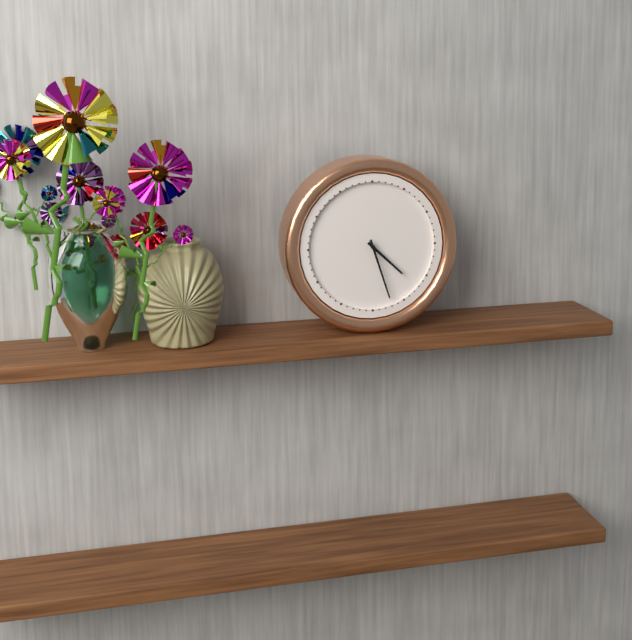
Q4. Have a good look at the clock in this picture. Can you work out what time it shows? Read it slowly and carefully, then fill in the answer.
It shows 4:27
